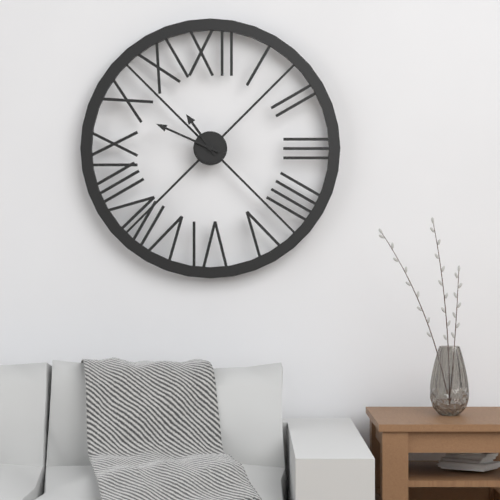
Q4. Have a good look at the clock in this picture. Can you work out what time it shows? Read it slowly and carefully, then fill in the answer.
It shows 10:49
